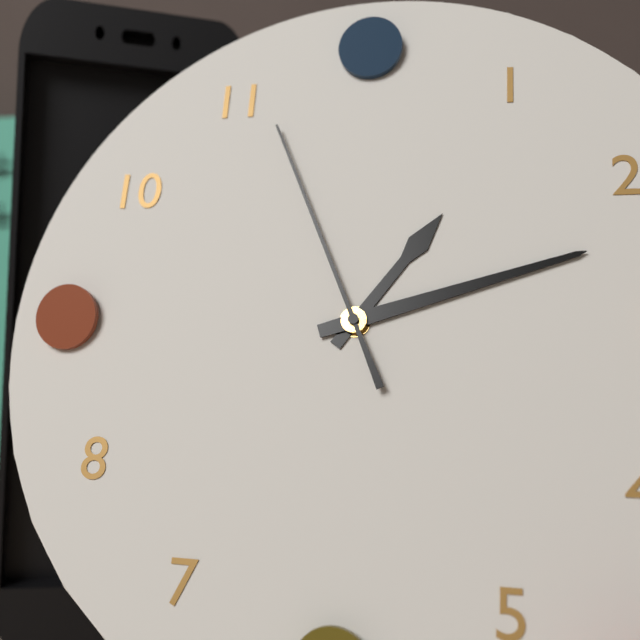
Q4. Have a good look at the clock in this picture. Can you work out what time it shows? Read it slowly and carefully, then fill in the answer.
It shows 1:12:56
